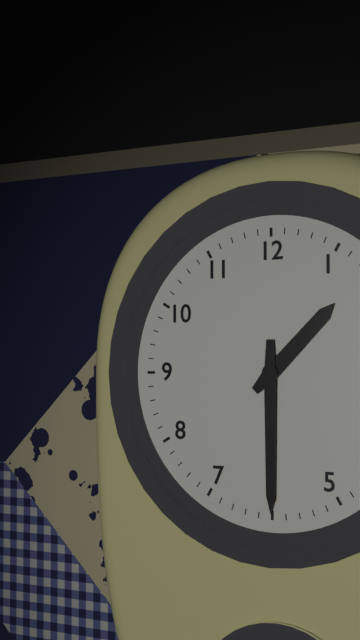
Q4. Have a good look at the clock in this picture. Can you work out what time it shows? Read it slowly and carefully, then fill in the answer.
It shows 1:30
